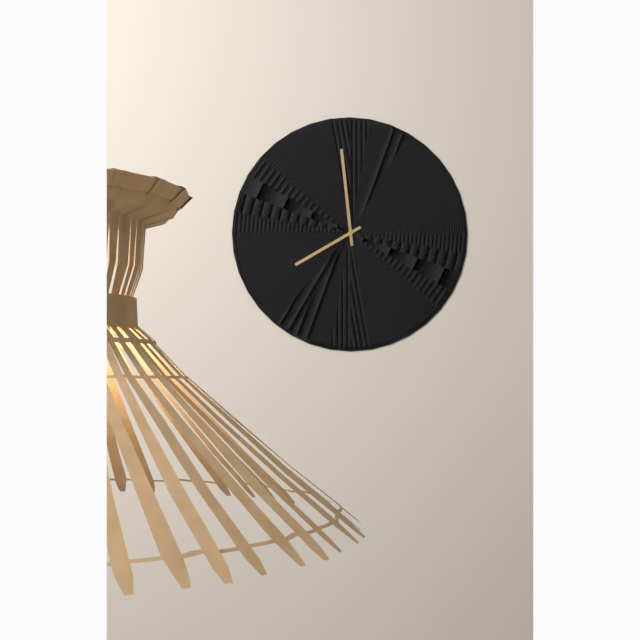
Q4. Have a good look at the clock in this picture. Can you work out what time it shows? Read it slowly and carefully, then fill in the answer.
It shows 7:59
